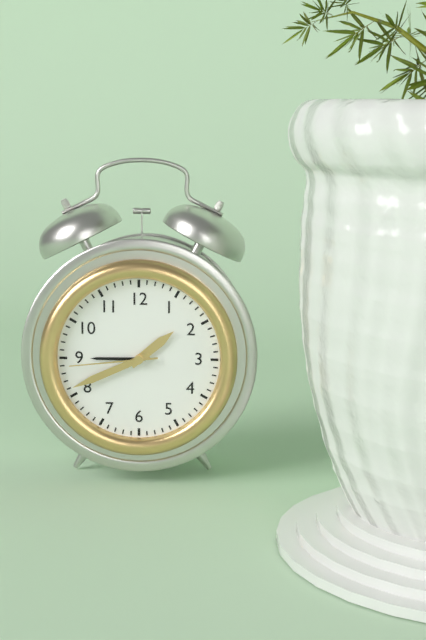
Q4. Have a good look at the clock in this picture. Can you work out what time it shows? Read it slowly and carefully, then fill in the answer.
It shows 1:41:44
